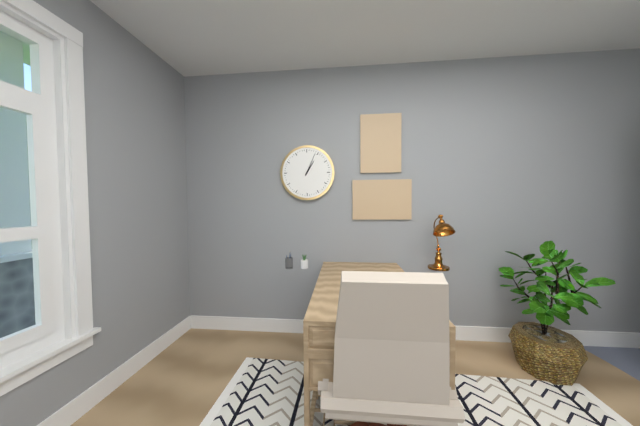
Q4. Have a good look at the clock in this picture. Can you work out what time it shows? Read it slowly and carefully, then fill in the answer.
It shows 1:04
